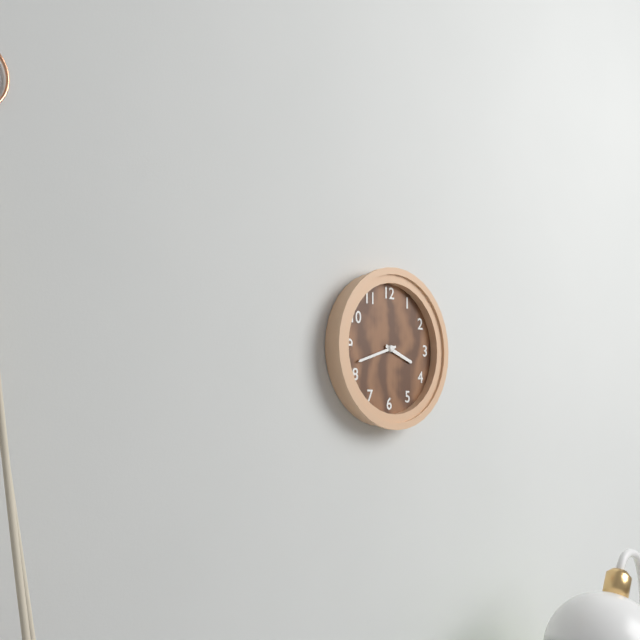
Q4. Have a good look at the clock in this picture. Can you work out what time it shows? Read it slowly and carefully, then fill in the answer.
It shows 3:42
